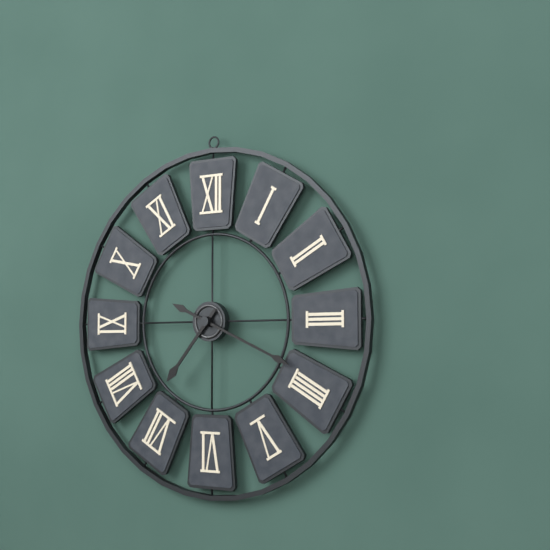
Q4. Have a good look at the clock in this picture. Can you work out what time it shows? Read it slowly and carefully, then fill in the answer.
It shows 7:19
